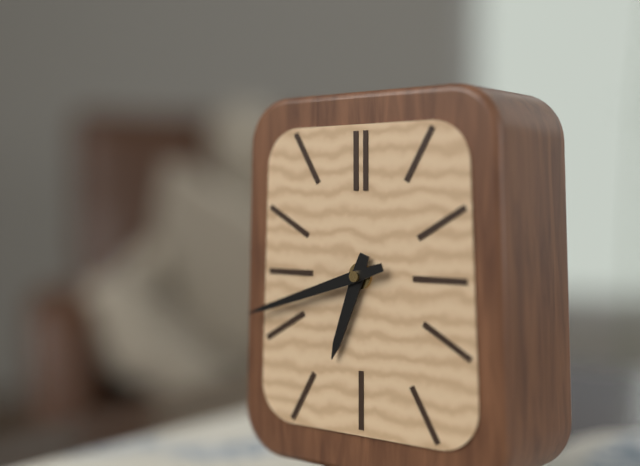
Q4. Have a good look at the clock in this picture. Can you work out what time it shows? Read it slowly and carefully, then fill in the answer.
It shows 6:42
